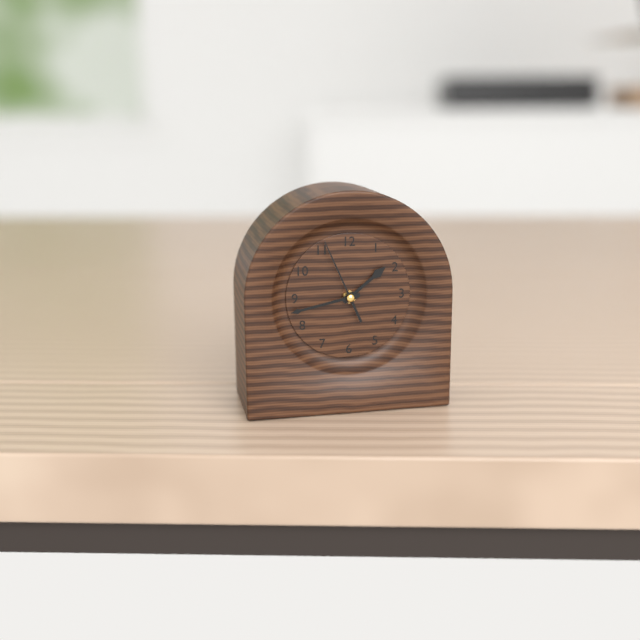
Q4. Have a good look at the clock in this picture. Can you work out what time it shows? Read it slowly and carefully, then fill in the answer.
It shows 1:43:56
